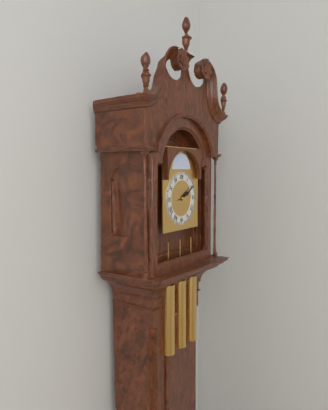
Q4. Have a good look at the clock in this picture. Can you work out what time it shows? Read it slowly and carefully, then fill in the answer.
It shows 2:10
